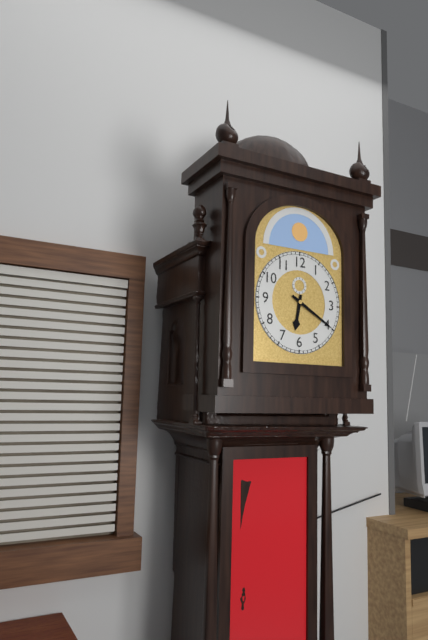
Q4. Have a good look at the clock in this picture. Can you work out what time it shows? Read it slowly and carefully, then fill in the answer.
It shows 6:20
